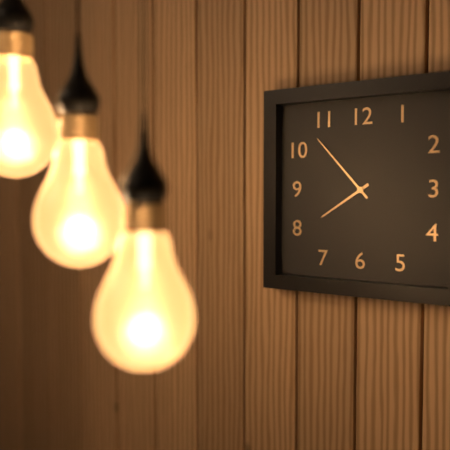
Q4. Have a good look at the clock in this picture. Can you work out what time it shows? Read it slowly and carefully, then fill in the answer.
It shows 7:53
